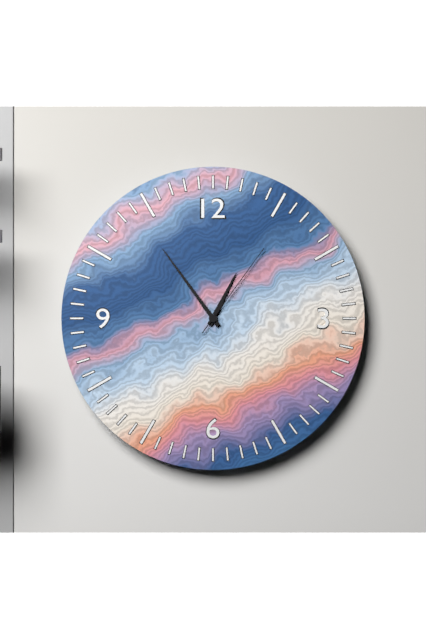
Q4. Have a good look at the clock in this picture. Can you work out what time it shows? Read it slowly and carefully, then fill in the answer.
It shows 12:54:06
